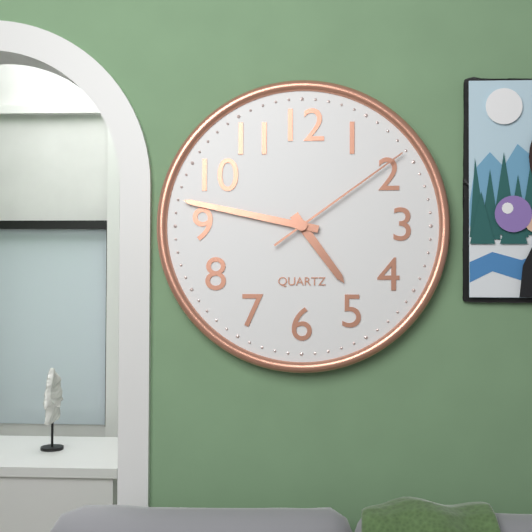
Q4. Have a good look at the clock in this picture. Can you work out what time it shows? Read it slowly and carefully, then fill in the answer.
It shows 4:47:09
